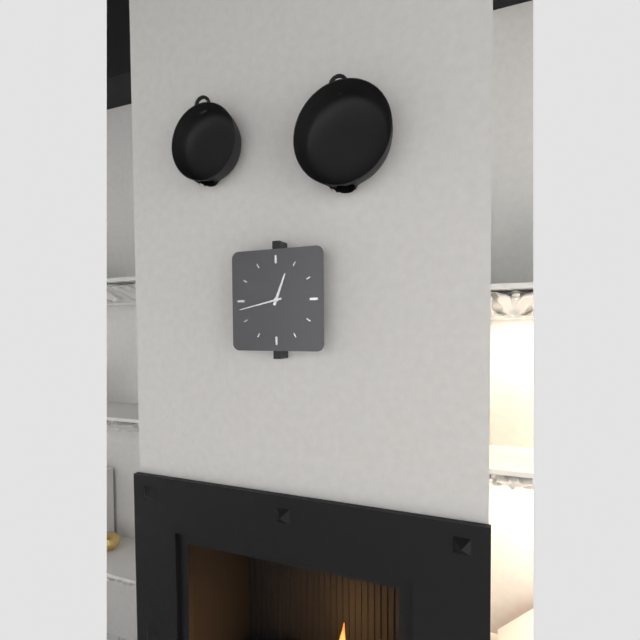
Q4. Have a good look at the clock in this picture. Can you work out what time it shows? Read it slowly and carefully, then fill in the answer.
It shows 12:43
